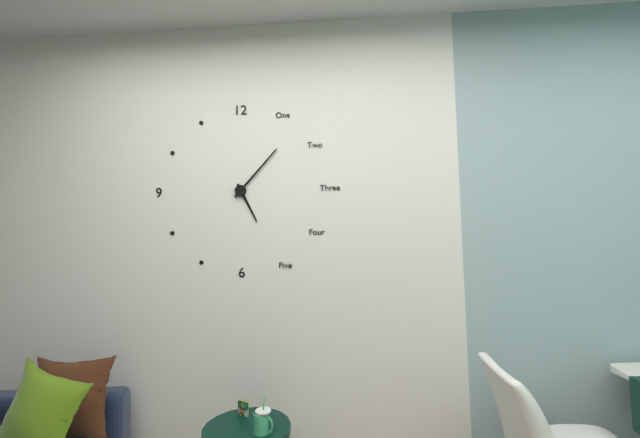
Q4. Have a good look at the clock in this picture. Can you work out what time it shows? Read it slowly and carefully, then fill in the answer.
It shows 5:07
